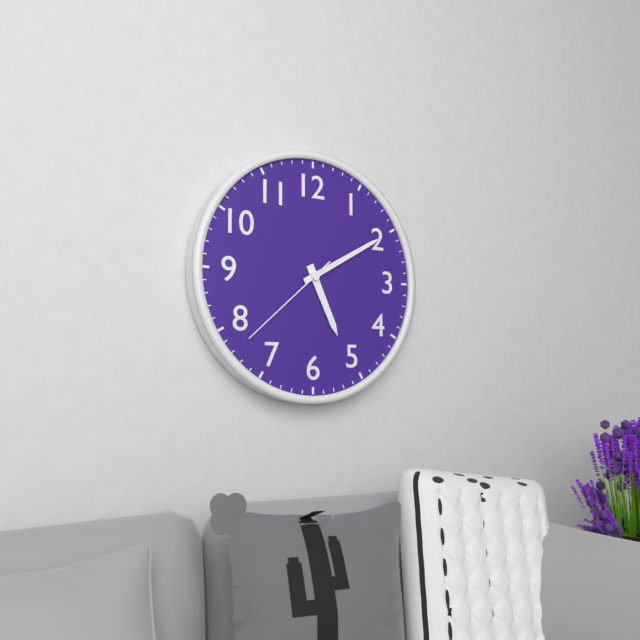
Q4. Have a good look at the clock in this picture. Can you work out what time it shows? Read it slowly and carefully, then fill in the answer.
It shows 5:10:38
